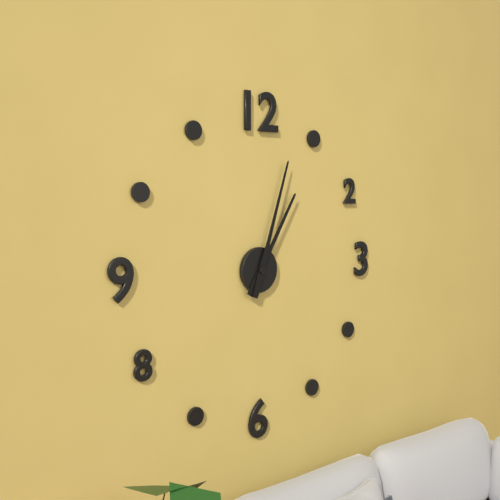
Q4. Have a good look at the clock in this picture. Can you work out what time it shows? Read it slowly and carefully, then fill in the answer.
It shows 1:03
